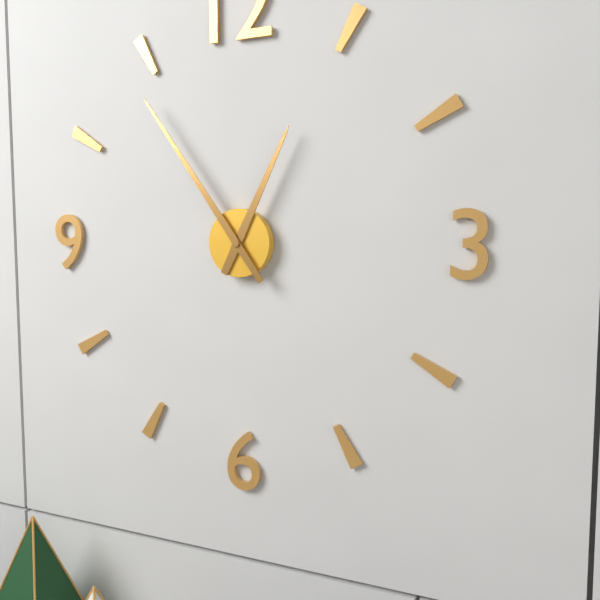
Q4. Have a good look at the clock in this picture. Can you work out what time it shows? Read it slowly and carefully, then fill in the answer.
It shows 12:54
